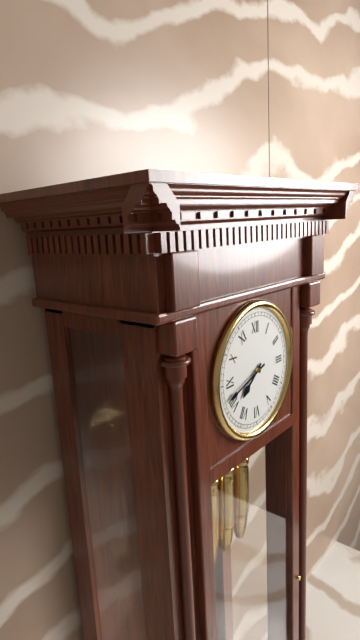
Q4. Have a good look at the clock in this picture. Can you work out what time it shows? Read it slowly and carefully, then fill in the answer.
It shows 7:42
